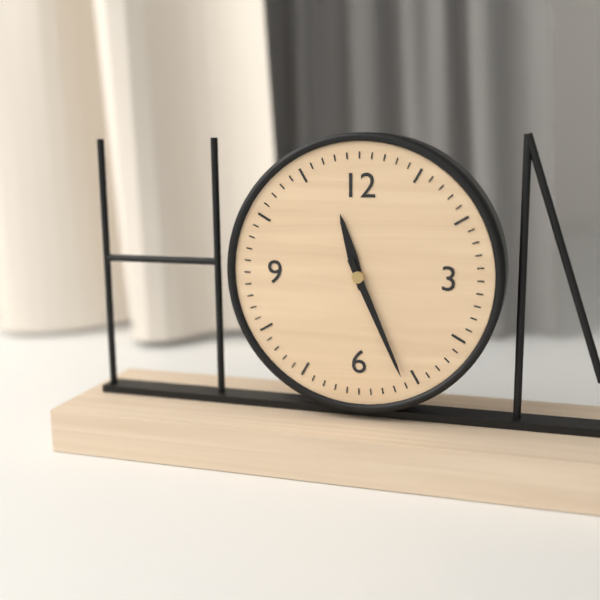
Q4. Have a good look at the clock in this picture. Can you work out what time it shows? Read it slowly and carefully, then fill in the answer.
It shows 11:26
